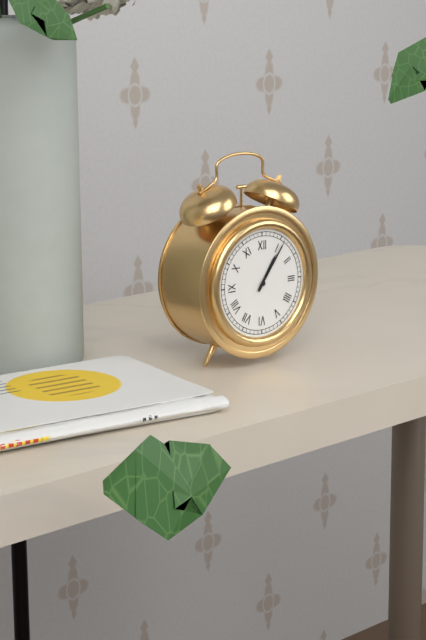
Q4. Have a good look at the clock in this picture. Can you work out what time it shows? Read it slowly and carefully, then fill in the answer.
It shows 1:06
